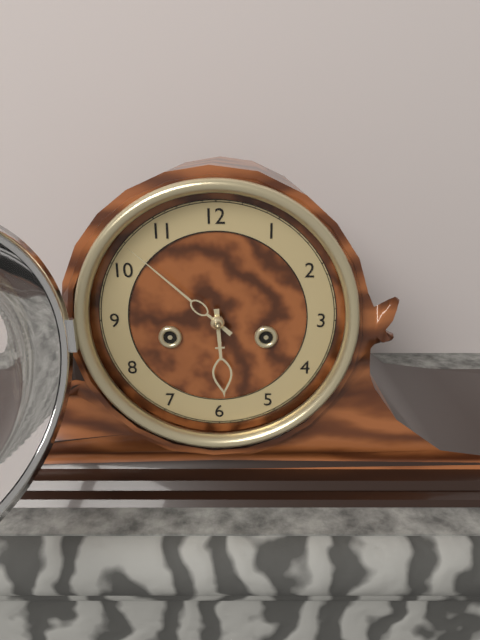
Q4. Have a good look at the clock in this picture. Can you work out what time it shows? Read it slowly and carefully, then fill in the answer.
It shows 5:52
